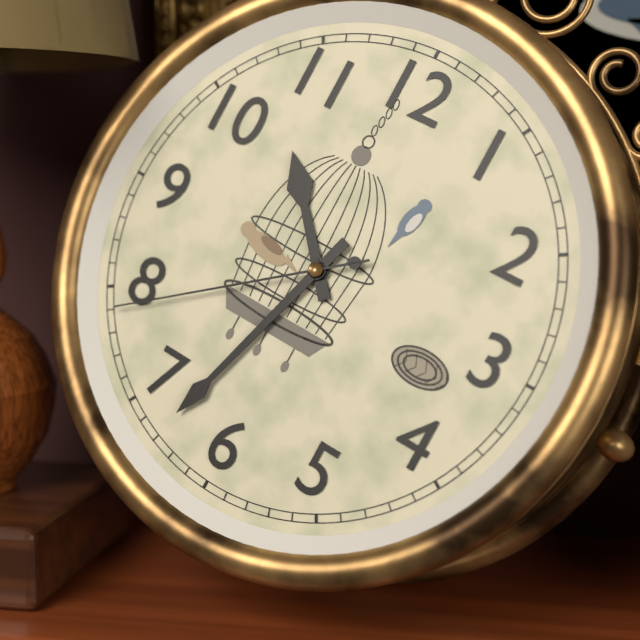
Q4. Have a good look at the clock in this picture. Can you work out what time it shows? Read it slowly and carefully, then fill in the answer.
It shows 10:33:39
